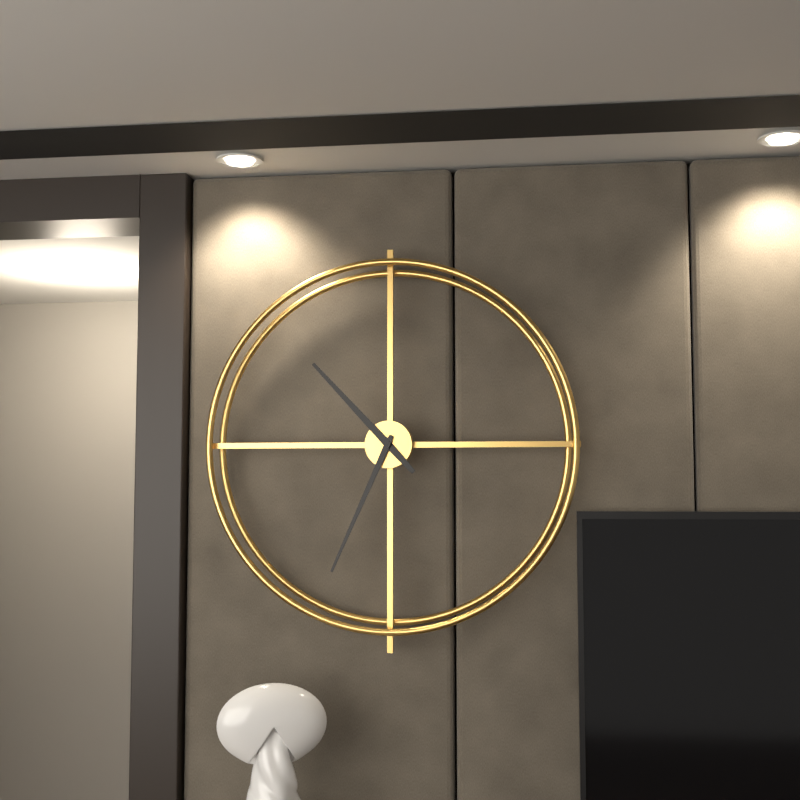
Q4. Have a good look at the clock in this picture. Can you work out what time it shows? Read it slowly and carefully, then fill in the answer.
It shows 10:34
